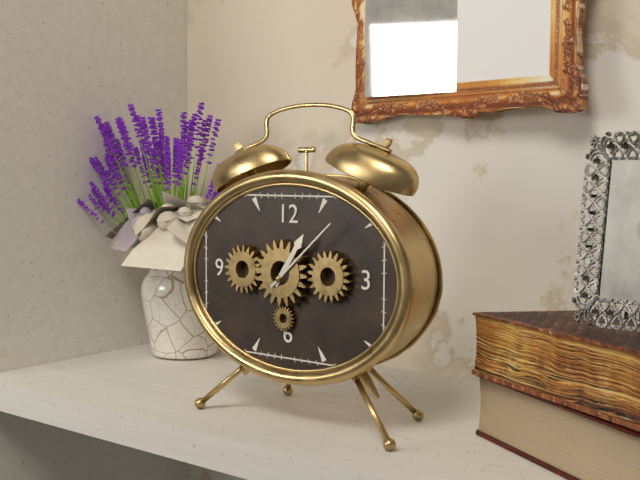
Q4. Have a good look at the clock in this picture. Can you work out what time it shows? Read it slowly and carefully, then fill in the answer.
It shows 1:08
